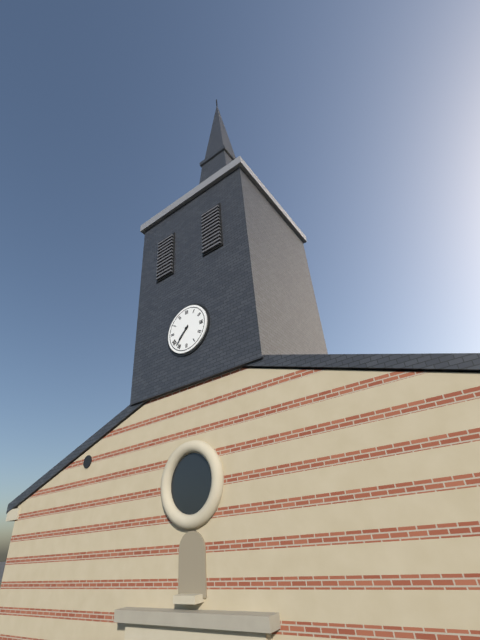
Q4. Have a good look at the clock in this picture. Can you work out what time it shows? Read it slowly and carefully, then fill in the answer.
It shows 7:37
